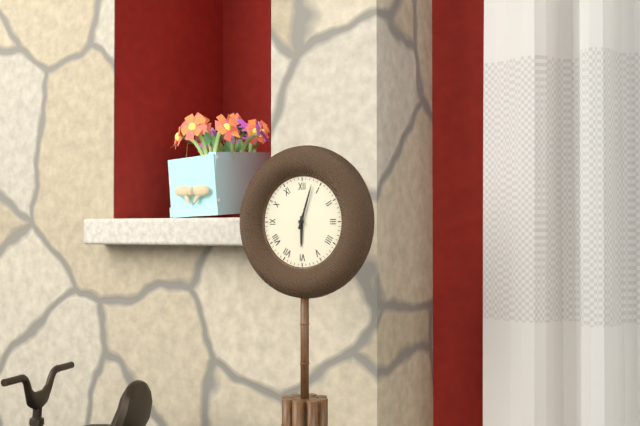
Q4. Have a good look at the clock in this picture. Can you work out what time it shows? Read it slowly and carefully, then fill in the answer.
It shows 6:03
